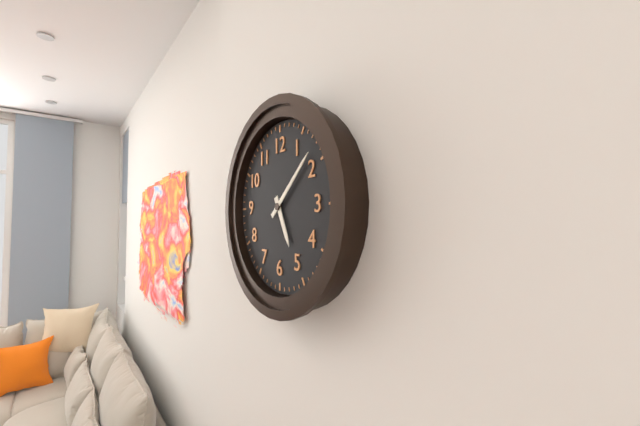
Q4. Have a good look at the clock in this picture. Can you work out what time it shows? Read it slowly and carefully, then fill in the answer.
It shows 5:08
